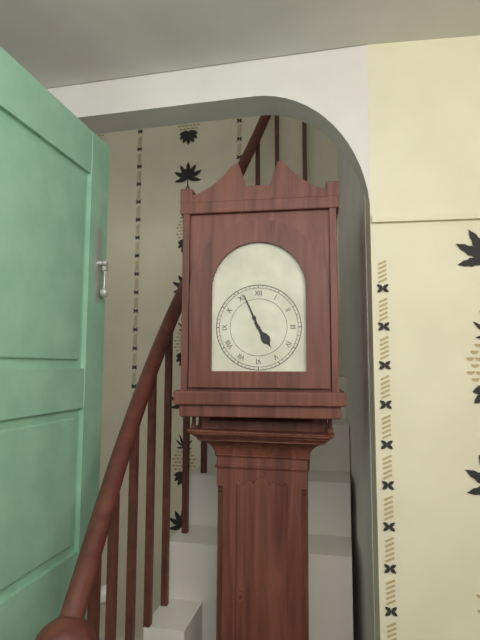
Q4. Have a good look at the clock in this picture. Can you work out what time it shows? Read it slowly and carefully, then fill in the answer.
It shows 4:56
